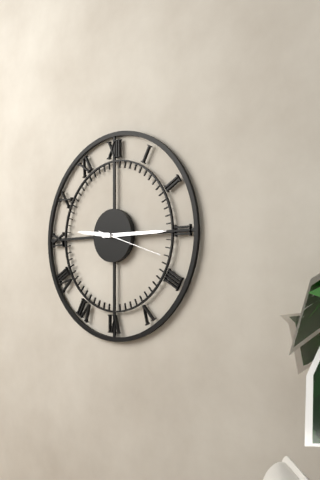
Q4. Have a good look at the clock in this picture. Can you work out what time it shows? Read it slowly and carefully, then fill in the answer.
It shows 9:15:18
